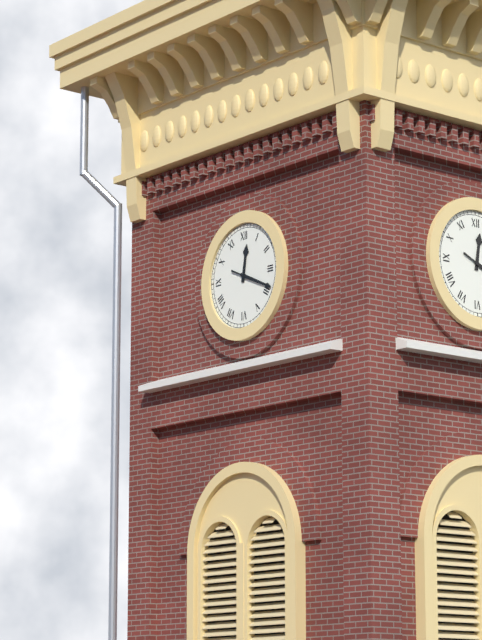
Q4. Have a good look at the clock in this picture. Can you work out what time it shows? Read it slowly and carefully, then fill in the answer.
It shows 12:19
